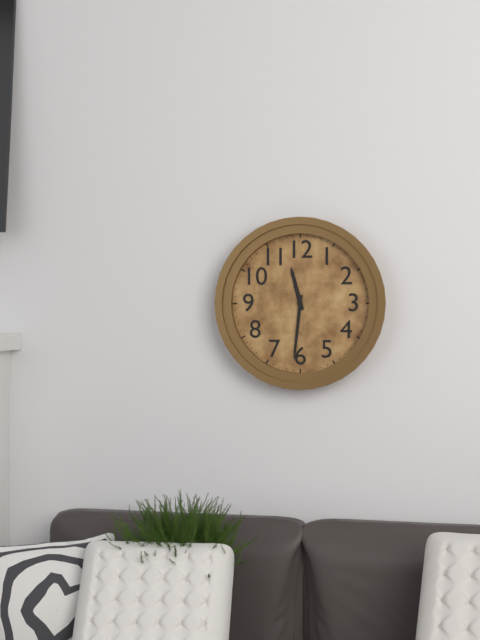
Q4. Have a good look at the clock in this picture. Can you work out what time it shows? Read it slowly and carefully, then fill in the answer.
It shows 11:31
